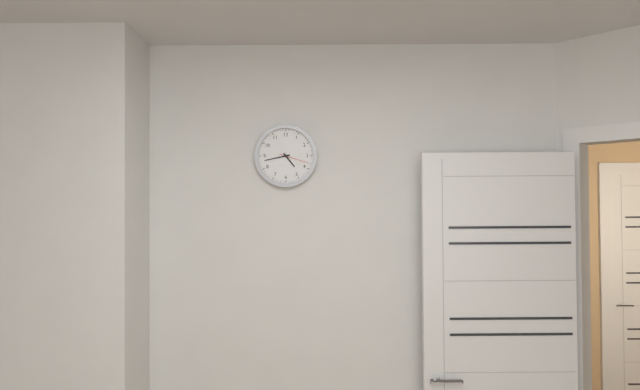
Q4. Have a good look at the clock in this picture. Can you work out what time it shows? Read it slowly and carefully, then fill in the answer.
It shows 4:43
